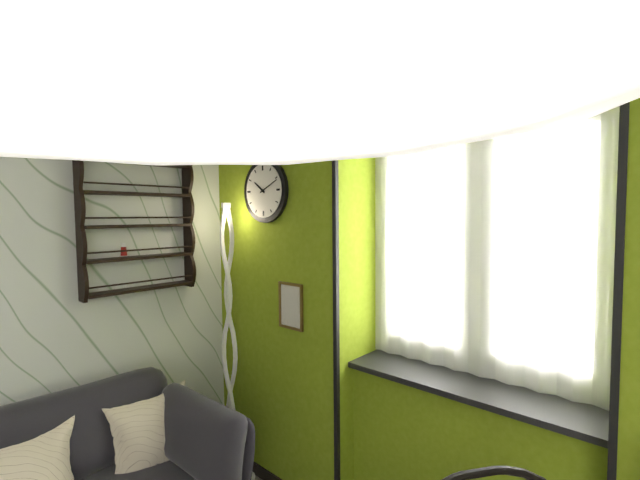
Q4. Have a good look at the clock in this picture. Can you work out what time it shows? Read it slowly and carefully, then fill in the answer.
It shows 10:11
